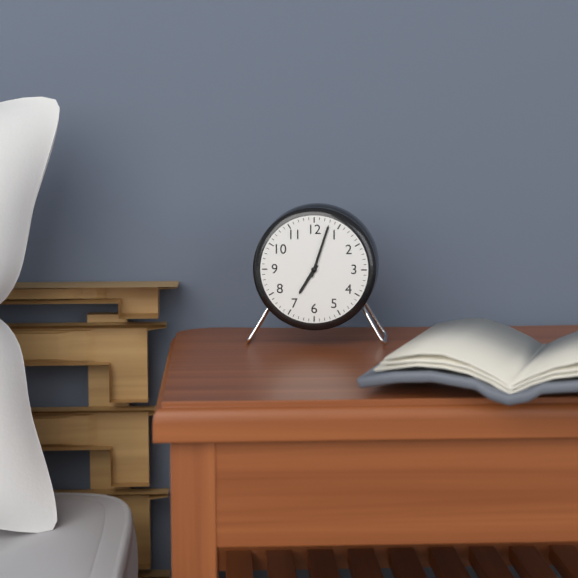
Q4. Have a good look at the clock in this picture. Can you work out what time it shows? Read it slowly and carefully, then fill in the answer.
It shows 7:03
